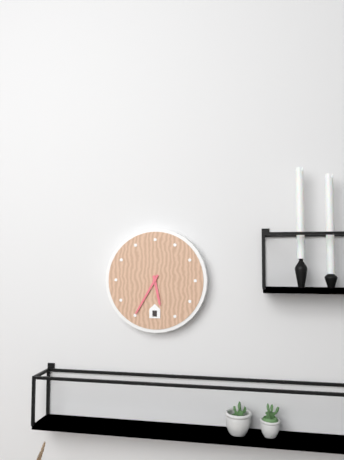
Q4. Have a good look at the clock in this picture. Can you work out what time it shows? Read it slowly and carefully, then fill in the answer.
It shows 5:35
